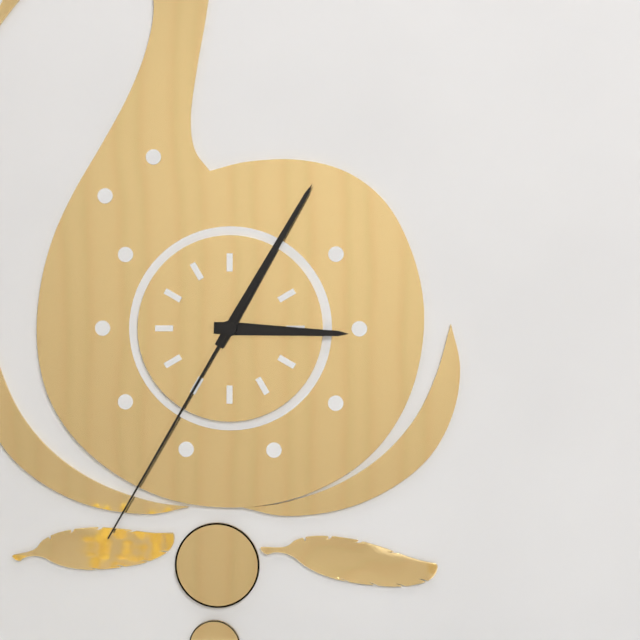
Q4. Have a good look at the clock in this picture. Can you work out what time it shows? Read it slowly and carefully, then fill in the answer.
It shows 3:05:35
